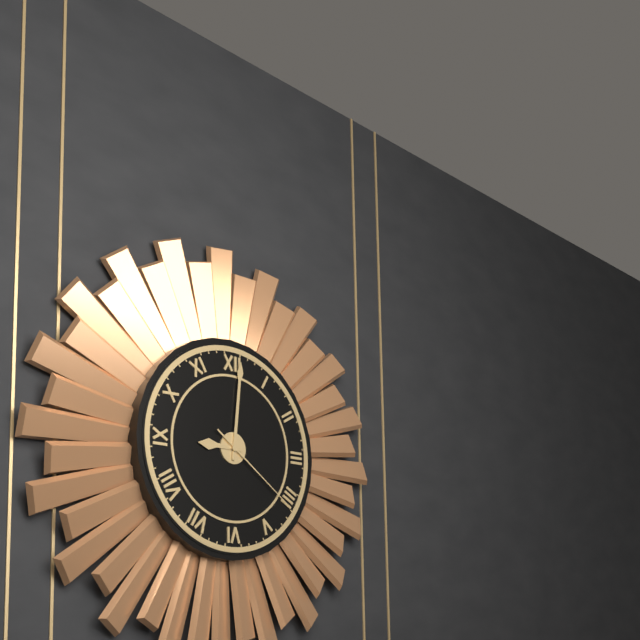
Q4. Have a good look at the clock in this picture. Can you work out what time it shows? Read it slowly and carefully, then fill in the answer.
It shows 9:01:21
